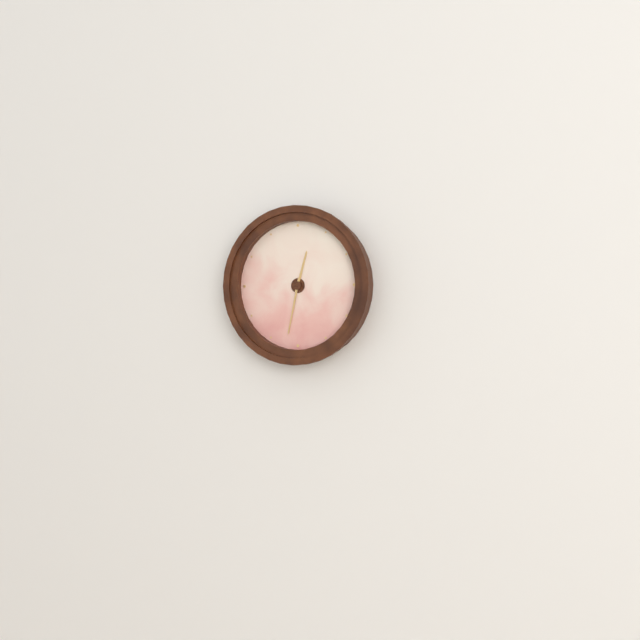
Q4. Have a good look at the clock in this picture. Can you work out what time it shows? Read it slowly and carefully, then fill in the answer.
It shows 12:32
